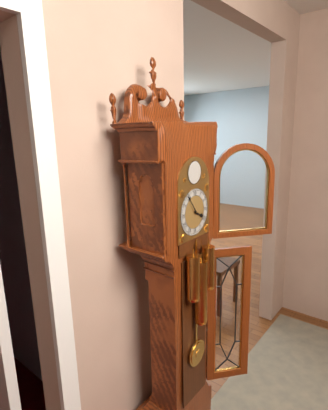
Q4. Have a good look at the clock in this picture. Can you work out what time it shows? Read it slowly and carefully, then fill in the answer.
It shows 3:54
